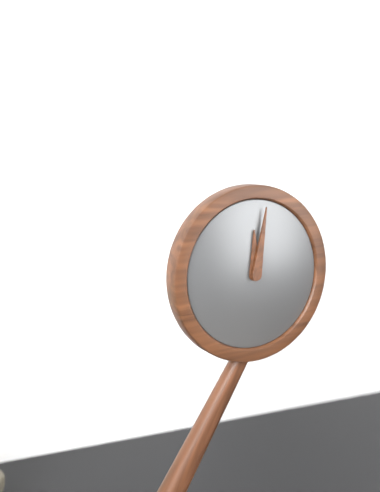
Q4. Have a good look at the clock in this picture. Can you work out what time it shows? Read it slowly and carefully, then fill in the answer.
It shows 12:02
